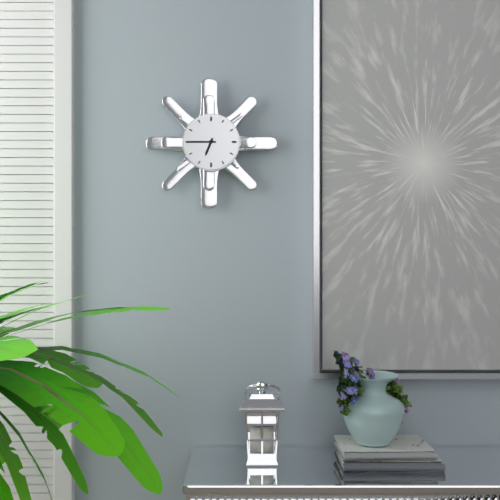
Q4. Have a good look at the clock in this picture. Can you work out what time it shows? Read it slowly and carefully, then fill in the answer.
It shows 6:45
